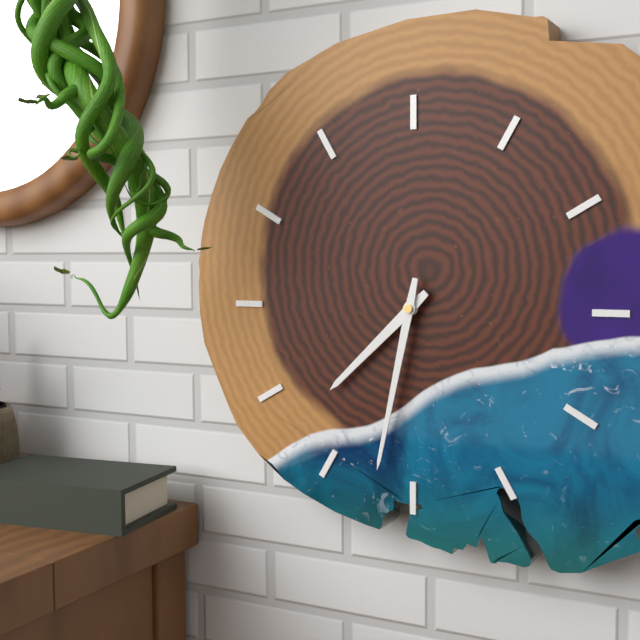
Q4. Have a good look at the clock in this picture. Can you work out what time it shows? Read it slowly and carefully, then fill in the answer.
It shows 7:32
